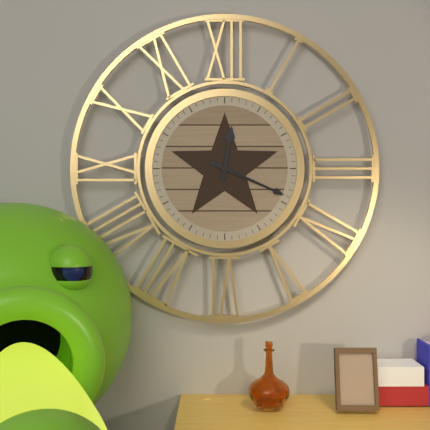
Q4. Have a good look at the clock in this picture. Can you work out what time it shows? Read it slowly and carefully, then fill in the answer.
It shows 12:19
